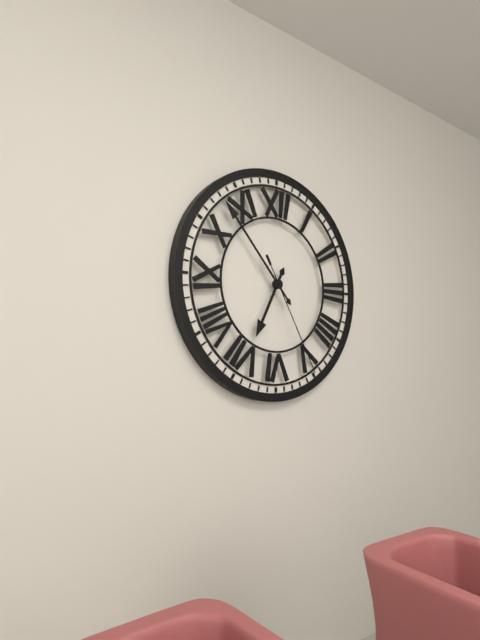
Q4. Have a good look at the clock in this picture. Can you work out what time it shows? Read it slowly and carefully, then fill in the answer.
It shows 6:53:25
